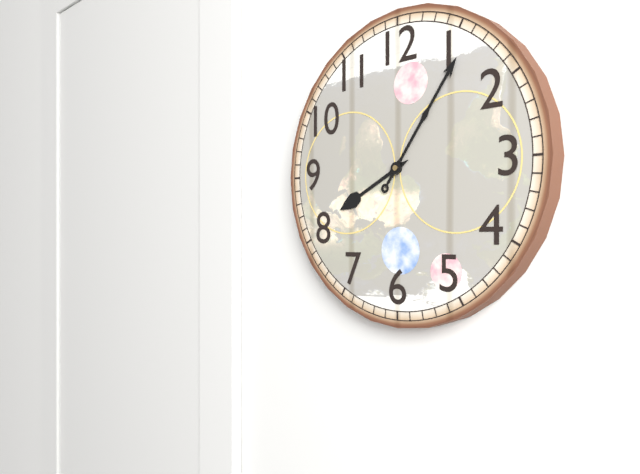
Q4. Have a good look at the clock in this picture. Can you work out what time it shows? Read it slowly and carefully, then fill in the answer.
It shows 8:06
